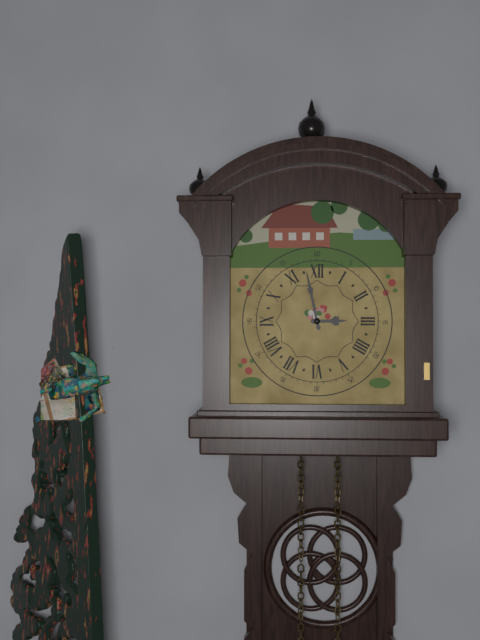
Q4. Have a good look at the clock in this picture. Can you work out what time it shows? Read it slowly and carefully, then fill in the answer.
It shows 2:58
